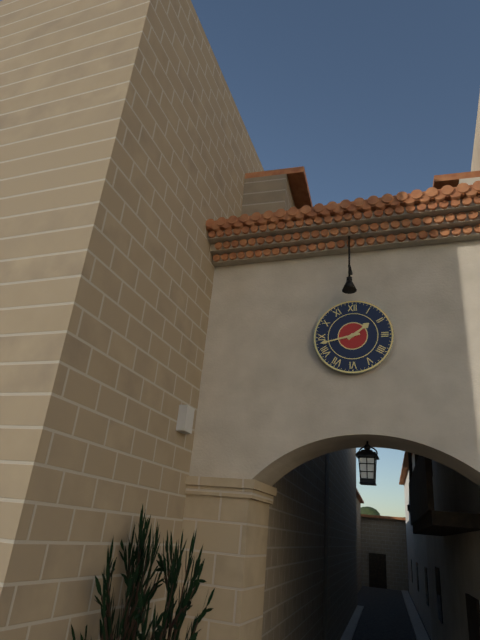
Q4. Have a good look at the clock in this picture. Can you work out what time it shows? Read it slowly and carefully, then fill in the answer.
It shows 1:43
